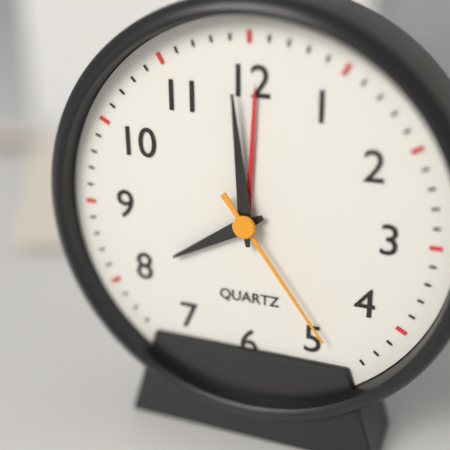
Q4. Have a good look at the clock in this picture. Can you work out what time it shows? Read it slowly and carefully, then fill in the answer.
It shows 7:59:24
